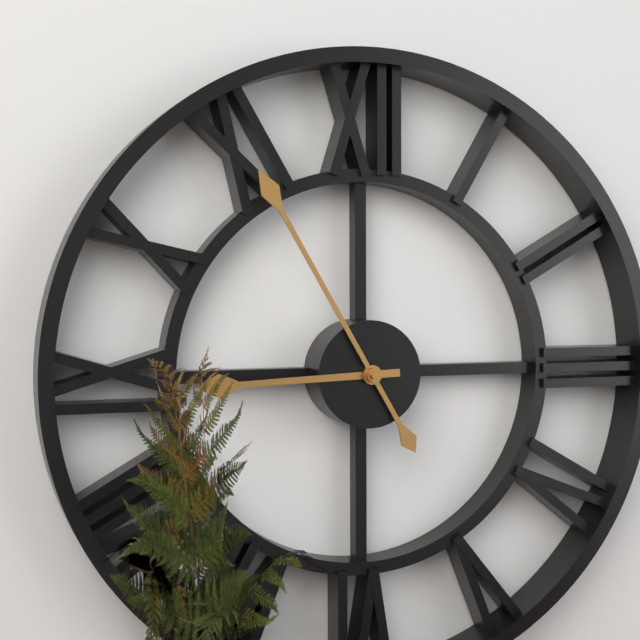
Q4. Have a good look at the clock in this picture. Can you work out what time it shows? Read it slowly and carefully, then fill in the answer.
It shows 8:55
